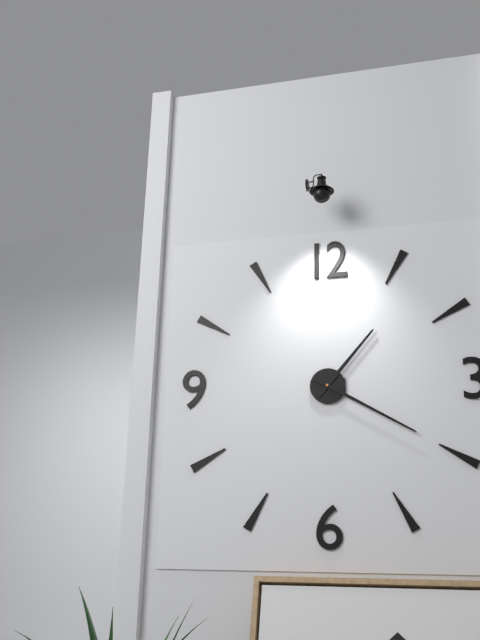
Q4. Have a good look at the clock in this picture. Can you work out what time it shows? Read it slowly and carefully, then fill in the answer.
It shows 1:20
